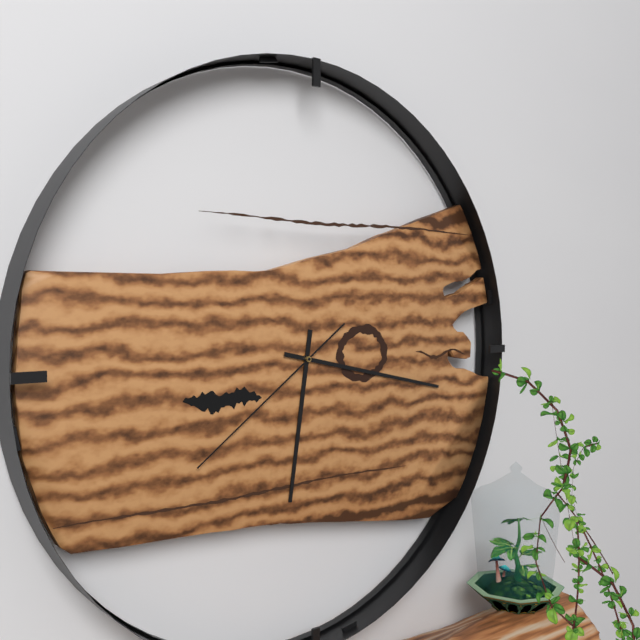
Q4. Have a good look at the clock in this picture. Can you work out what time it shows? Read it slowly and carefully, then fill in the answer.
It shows 6:17:39
